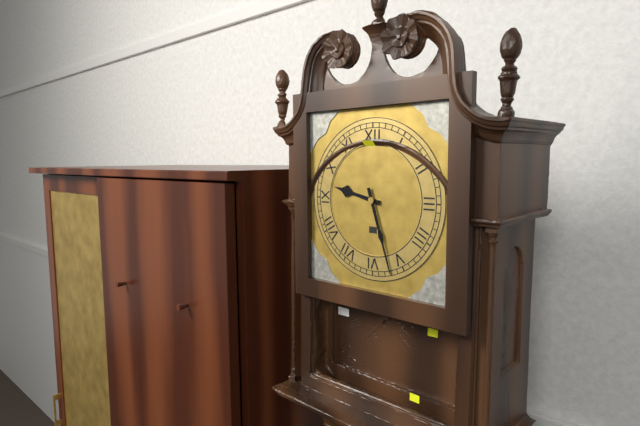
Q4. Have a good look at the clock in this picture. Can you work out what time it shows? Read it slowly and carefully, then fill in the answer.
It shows 9:27
